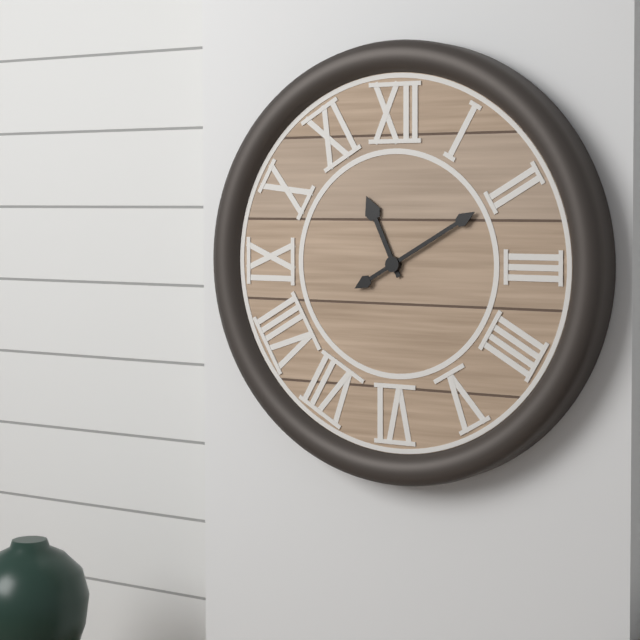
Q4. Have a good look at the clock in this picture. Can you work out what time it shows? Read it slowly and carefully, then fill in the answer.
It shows 11:10
